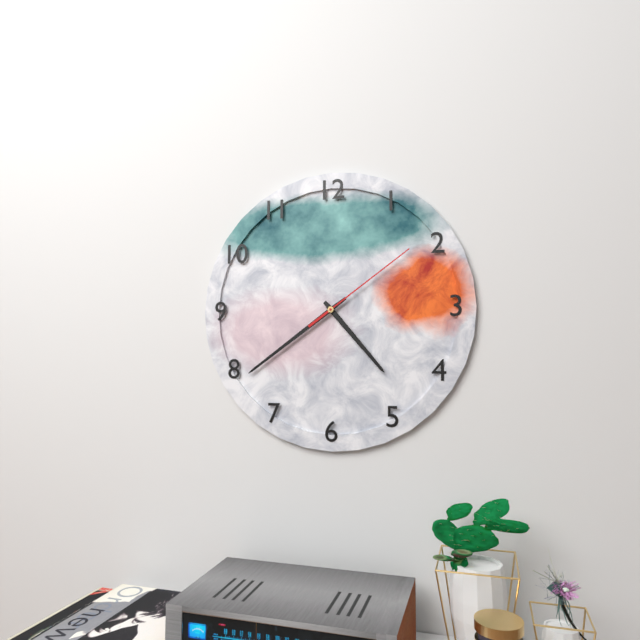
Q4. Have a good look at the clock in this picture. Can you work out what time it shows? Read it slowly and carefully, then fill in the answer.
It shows 4:39:09
